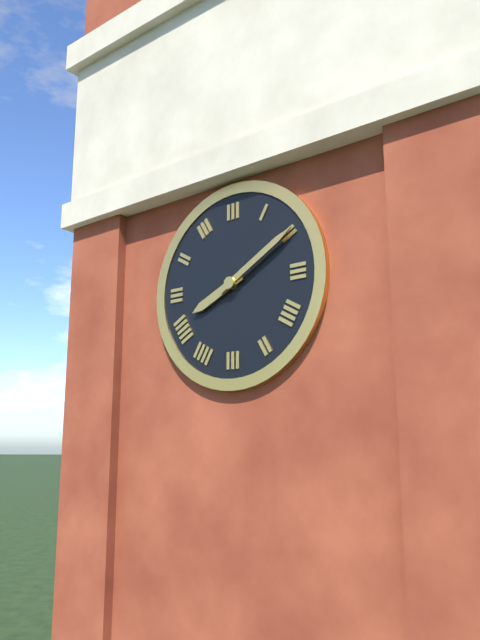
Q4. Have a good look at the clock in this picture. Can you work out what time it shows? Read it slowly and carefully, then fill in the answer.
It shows 8:10
